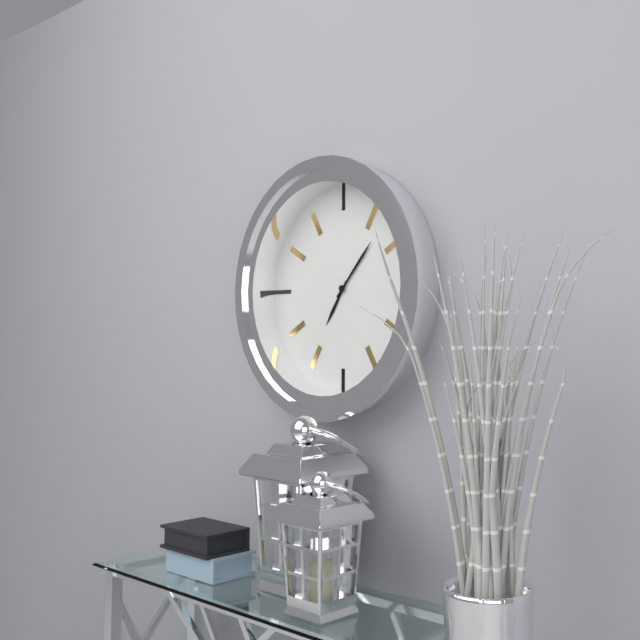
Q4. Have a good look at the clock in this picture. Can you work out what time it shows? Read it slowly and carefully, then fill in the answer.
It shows 7:07
